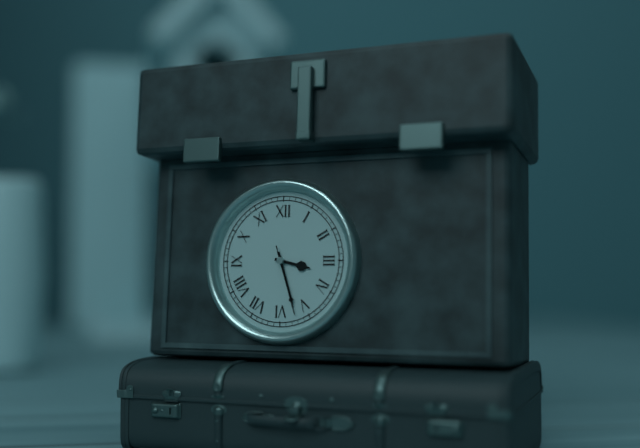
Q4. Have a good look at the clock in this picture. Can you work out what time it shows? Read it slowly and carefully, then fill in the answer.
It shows 3:27:27
